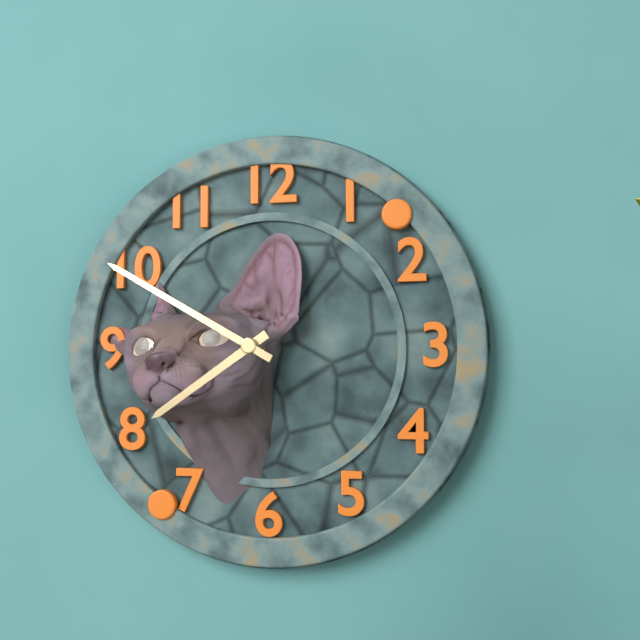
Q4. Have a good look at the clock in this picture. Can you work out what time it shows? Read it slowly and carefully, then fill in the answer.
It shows 7:50
